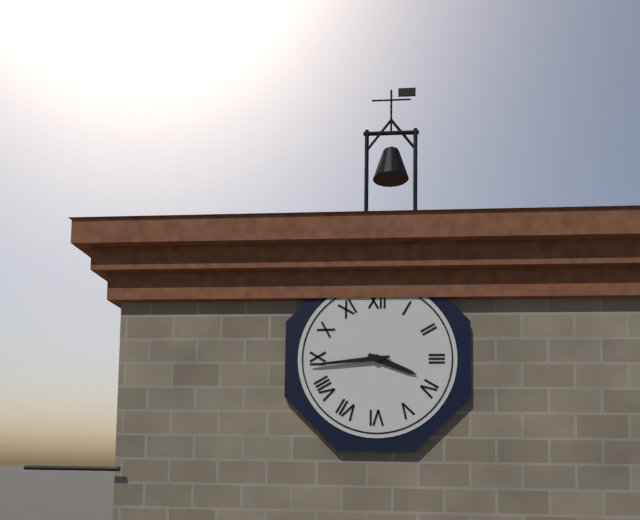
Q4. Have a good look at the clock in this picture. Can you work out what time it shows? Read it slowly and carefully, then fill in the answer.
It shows 3:44
